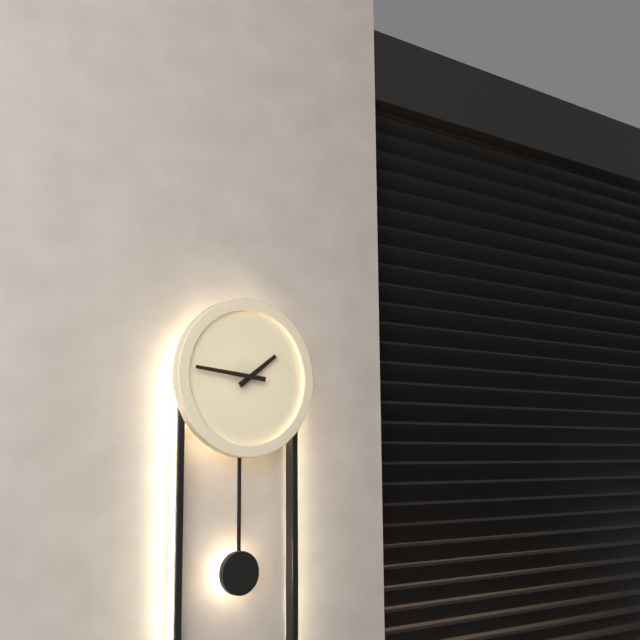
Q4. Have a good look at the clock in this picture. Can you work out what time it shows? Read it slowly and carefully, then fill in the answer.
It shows 1:46
